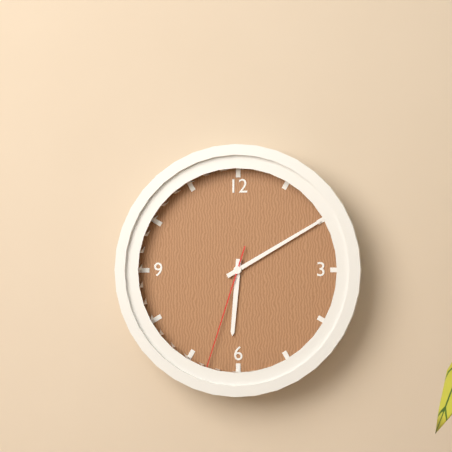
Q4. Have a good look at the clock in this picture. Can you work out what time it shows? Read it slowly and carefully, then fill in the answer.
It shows 6:10:33
